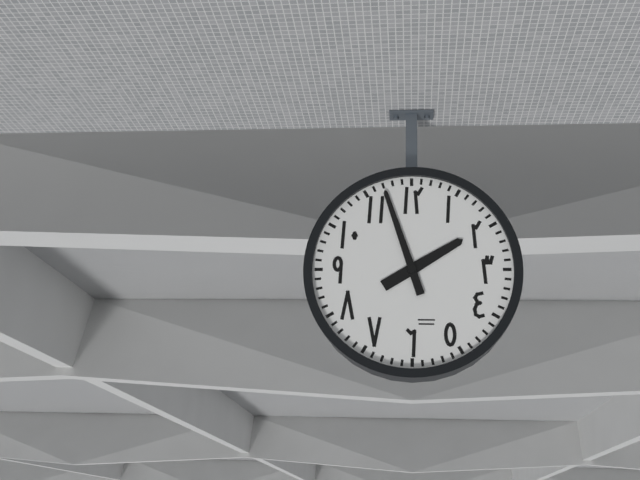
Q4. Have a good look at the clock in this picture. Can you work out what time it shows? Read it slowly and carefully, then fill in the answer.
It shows 1:57
